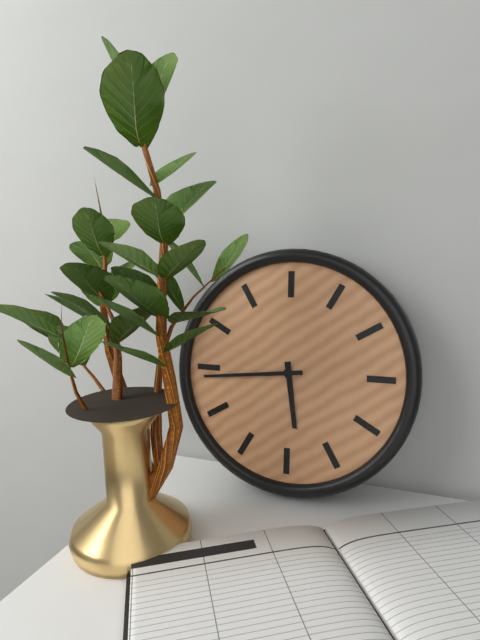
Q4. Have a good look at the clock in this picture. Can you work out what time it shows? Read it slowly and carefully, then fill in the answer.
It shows 5:44
